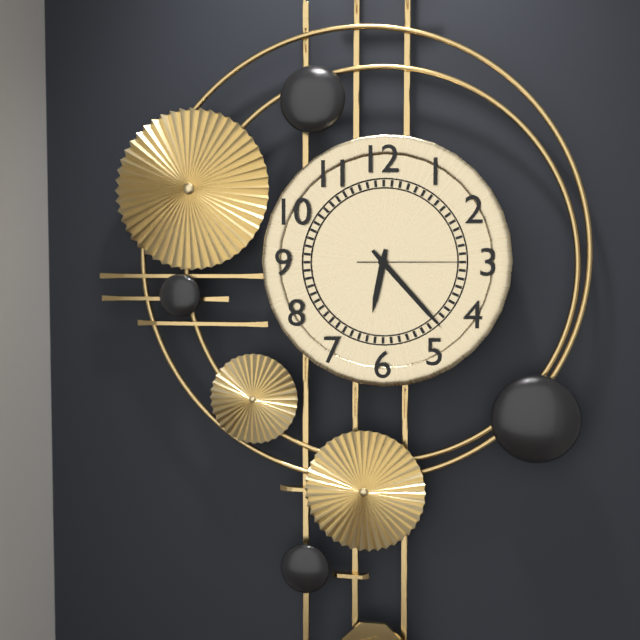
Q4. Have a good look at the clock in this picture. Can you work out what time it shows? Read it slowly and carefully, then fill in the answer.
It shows 6:23:15
